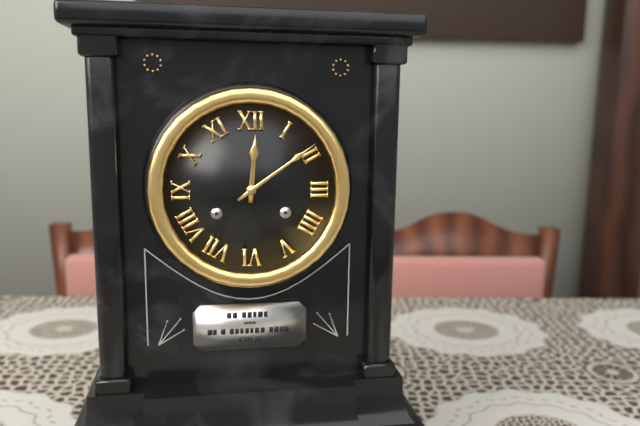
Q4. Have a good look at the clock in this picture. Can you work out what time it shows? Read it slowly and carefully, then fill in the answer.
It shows 12:09
